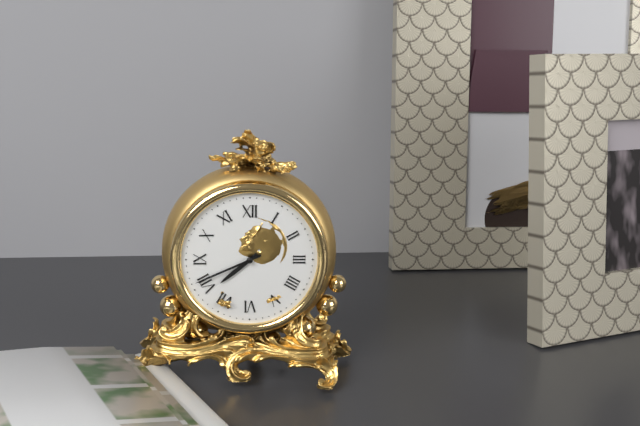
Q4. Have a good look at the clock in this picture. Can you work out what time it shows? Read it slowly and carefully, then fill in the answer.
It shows 7:41
